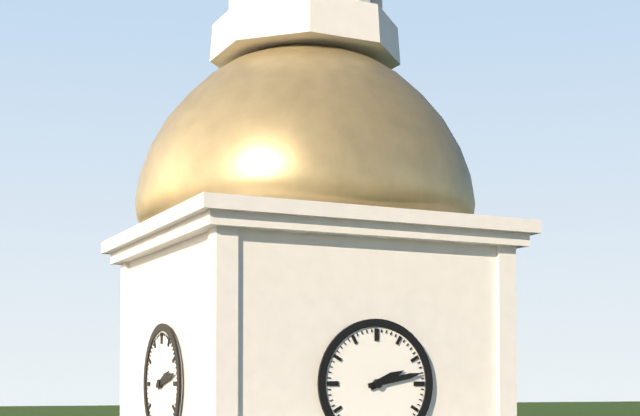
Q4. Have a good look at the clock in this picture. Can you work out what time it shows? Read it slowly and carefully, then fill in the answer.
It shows 2:13
